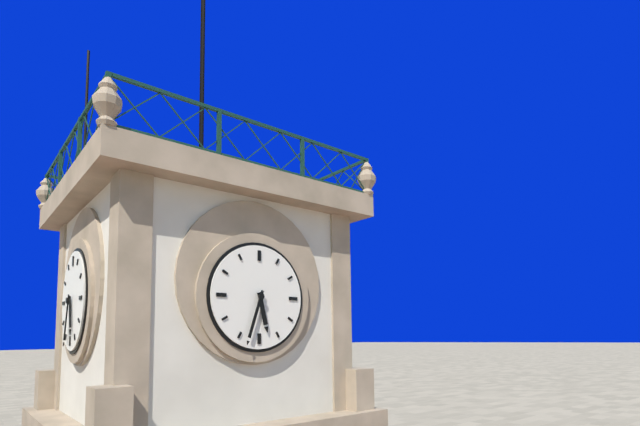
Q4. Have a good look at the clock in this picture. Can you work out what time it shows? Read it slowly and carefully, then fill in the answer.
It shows 5:33
